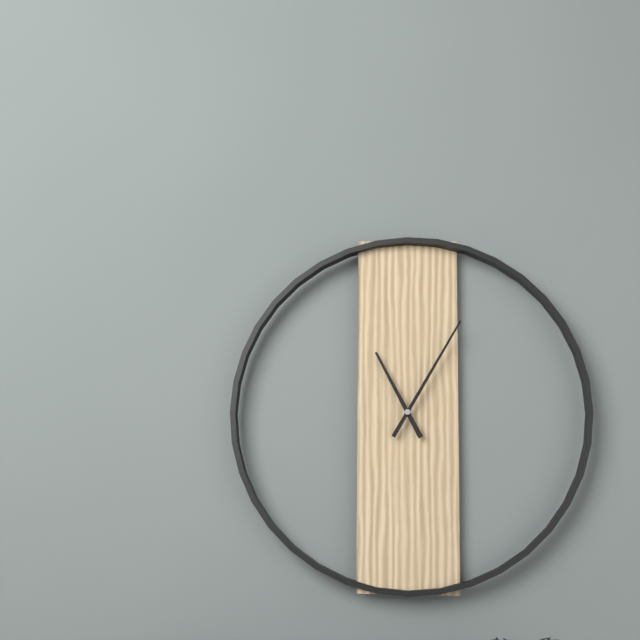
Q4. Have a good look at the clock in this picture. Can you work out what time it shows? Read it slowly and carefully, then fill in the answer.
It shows 11:05
